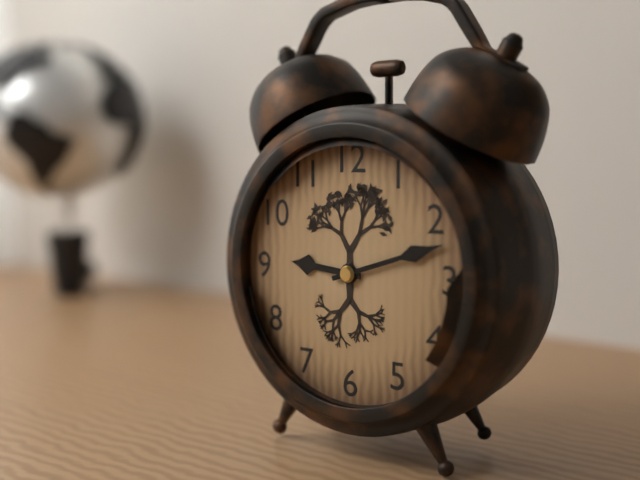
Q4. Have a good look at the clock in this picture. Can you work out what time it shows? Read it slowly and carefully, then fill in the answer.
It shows 9:12
